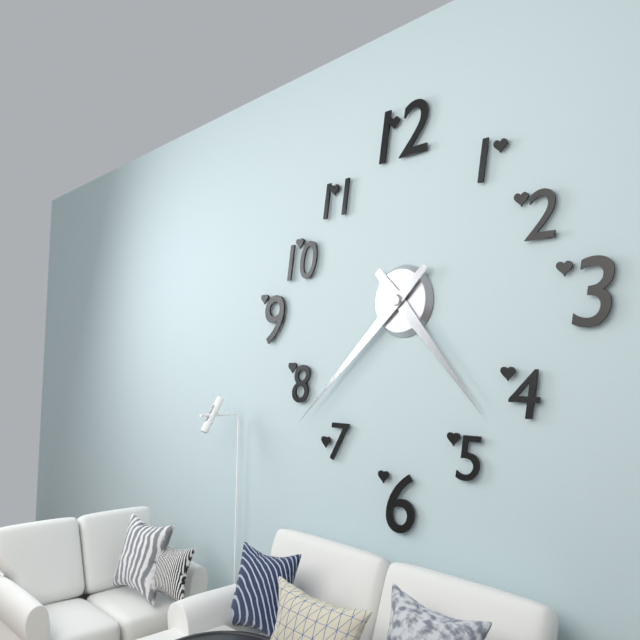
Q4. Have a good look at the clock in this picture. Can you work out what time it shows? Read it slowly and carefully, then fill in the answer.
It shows 4:38
